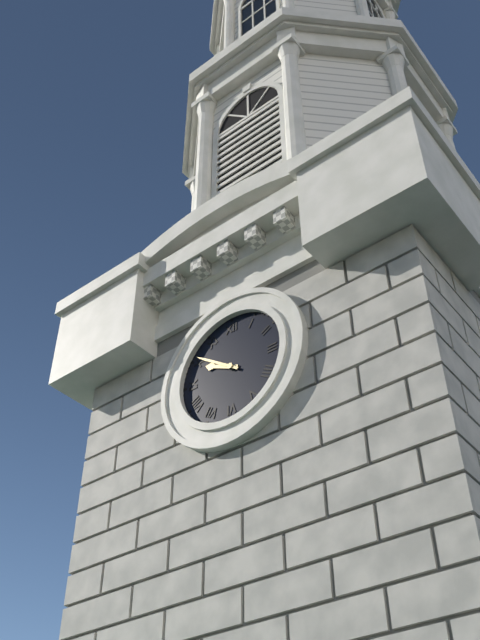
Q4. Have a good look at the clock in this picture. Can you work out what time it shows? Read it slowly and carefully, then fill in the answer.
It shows 9:51
